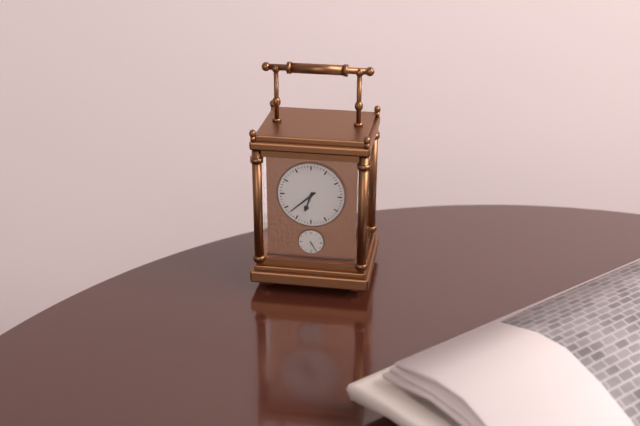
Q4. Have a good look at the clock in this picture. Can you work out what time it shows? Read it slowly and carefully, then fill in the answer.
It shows 6:38
